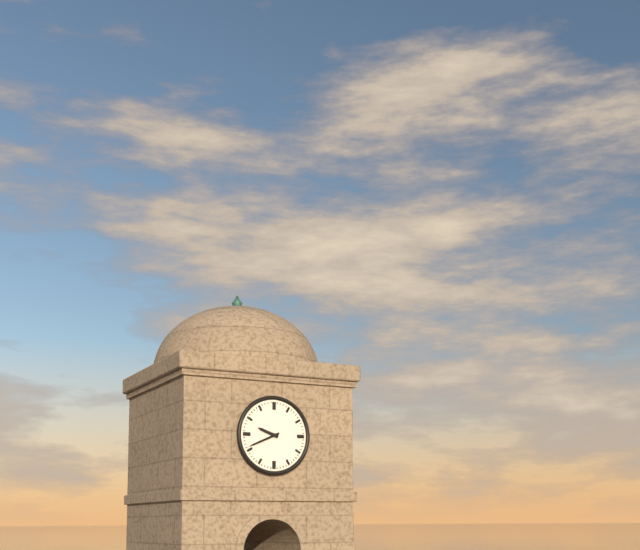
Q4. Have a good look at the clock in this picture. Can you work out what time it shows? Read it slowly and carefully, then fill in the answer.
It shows 9:41
